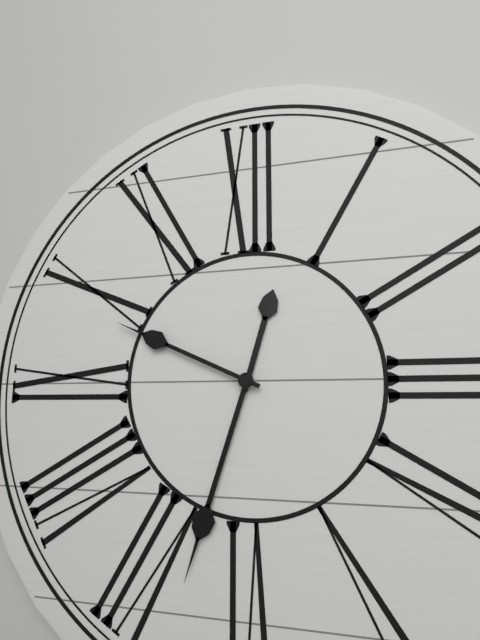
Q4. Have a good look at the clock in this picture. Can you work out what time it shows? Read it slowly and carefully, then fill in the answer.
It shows 12:33:49
